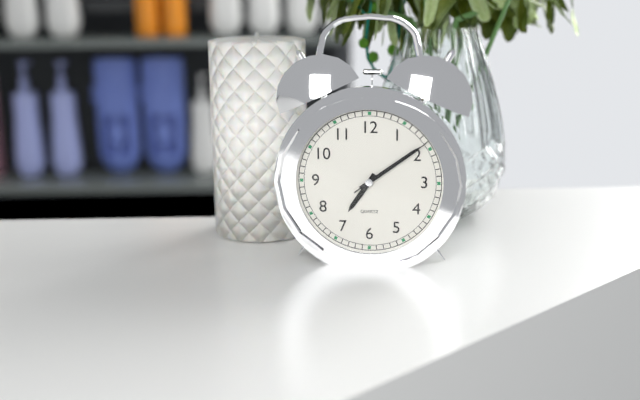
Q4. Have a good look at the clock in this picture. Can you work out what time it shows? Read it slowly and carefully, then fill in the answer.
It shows 7:09:09
